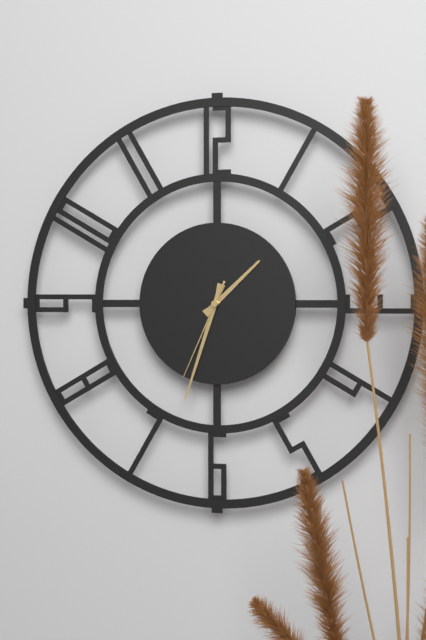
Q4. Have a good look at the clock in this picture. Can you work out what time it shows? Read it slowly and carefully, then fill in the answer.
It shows 1:33:34
